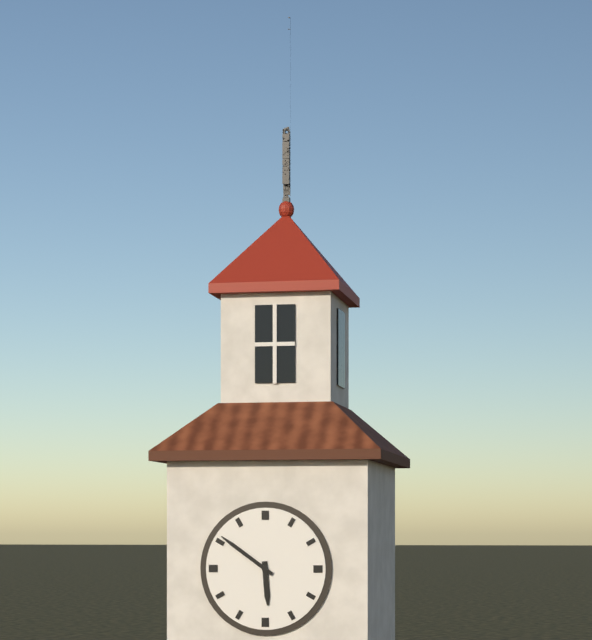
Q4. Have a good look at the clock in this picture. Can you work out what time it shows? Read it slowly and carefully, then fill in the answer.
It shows 5:51
